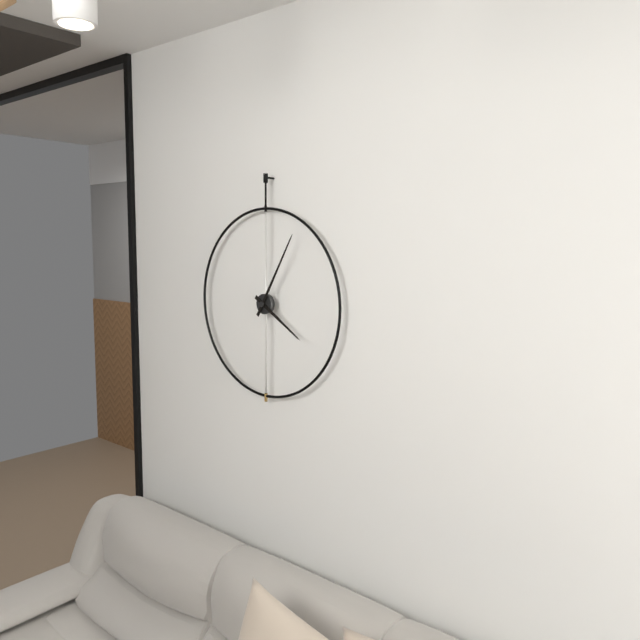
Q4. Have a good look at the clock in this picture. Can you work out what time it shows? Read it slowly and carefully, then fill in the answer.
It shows 4:05
